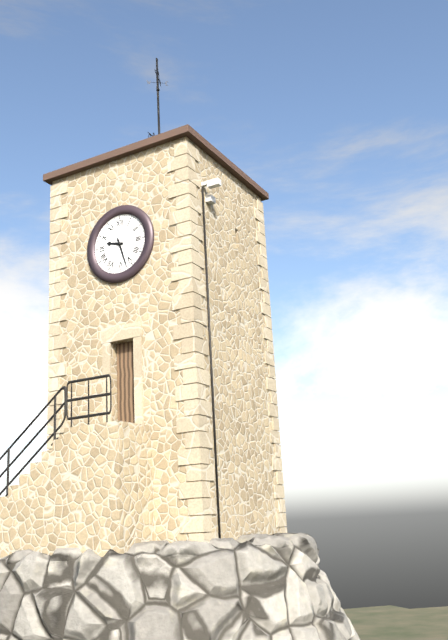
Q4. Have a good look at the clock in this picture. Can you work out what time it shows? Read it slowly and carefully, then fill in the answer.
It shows 9:27
